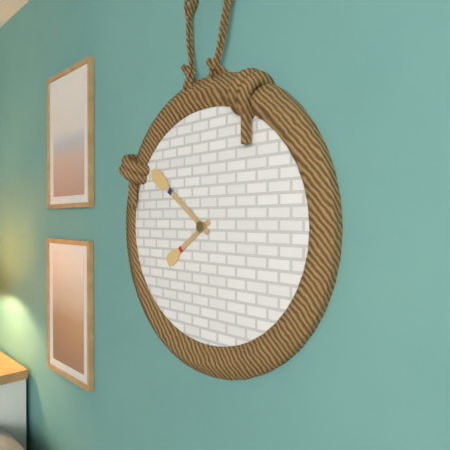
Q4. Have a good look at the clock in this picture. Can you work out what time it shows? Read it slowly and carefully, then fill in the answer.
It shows 7:51
